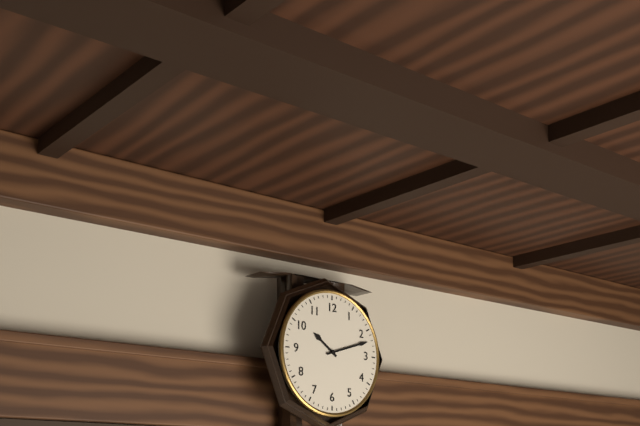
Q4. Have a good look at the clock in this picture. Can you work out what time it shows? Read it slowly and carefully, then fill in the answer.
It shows 10:12
